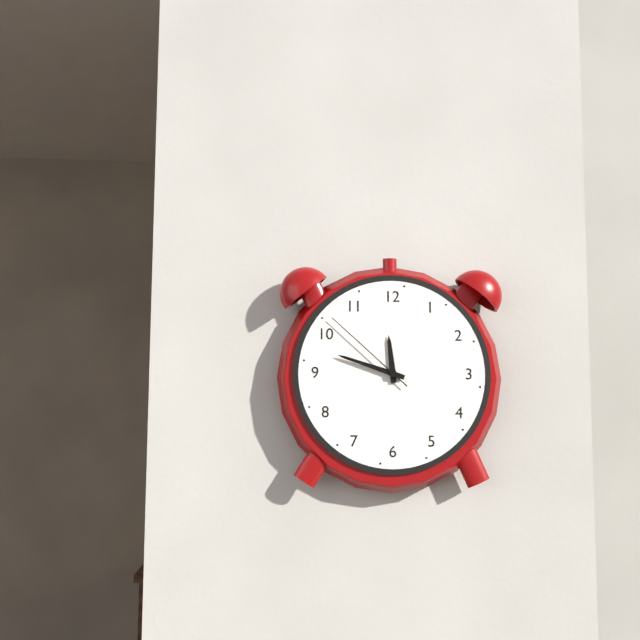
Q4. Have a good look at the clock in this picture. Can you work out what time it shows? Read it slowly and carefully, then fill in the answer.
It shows 11:48:52
